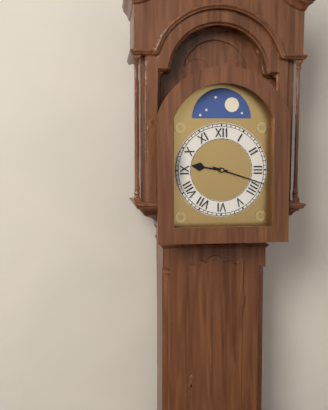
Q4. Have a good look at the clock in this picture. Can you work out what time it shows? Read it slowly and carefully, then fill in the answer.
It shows 9:18
